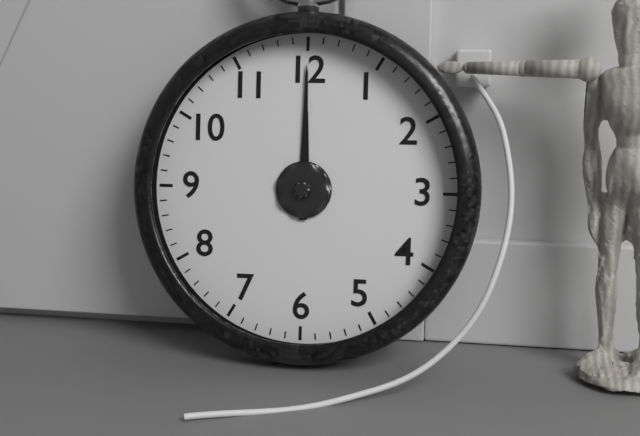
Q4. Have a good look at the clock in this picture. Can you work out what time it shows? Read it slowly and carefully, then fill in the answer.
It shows 12:00
